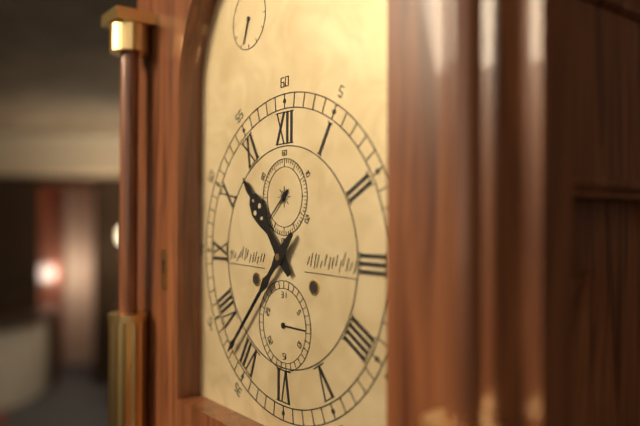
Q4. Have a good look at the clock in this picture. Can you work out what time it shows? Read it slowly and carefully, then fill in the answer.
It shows 10:37
